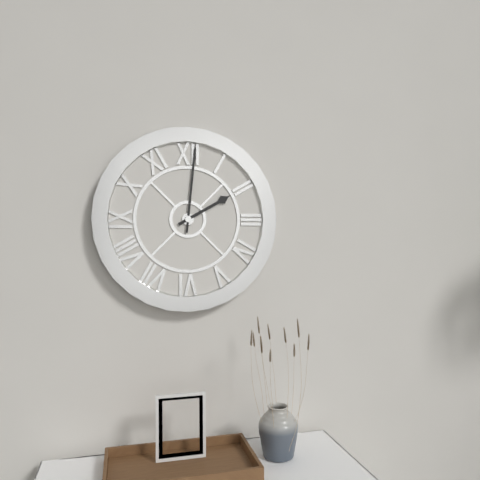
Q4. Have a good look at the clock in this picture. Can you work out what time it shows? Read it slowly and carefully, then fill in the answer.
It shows 2:01
